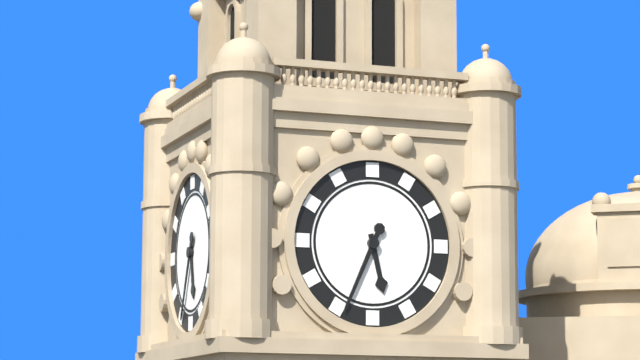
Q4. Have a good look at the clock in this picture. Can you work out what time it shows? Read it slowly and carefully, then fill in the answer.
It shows 5:34
